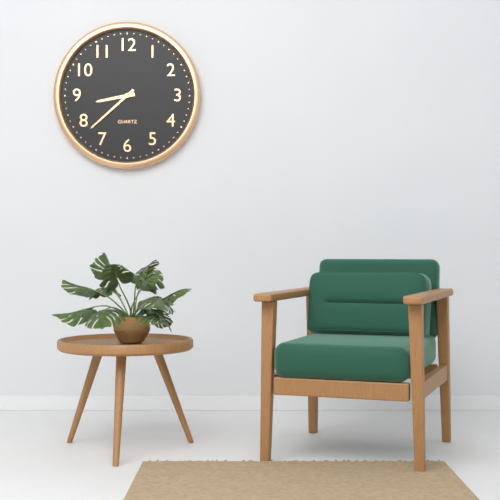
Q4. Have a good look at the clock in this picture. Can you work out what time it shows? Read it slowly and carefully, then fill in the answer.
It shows 8:38
